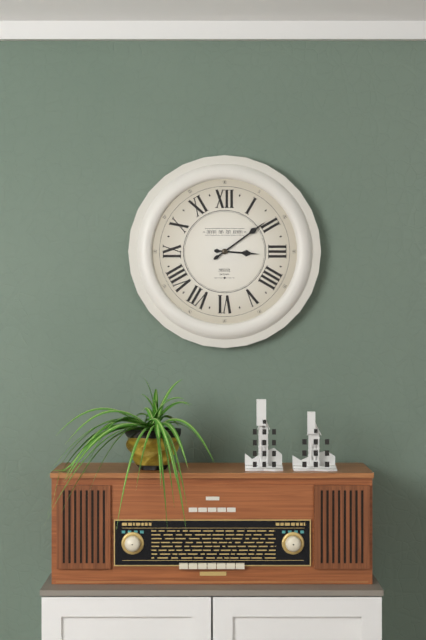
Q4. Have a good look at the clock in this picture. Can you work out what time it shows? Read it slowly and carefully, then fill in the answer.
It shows 3:09
